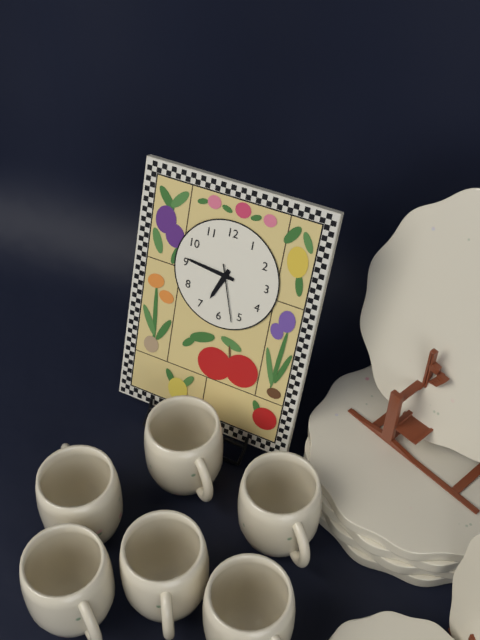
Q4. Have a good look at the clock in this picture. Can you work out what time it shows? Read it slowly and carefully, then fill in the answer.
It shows 6:46:27
